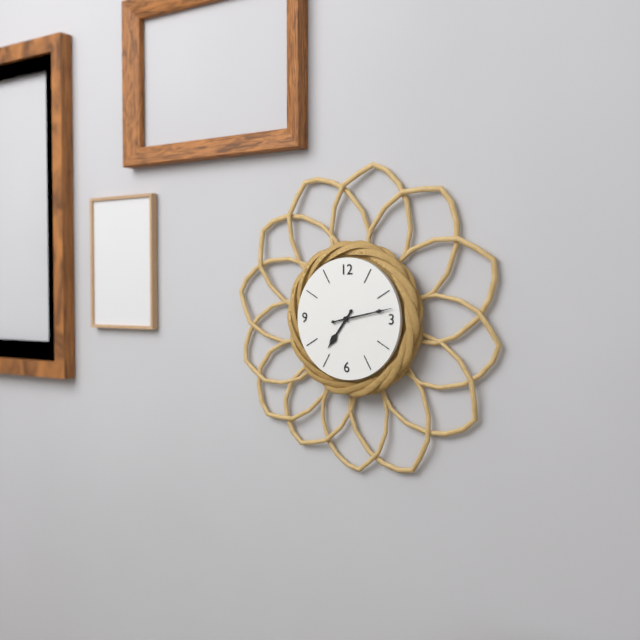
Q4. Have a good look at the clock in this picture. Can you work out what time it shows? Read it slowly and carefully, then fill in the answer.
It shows 7:13
